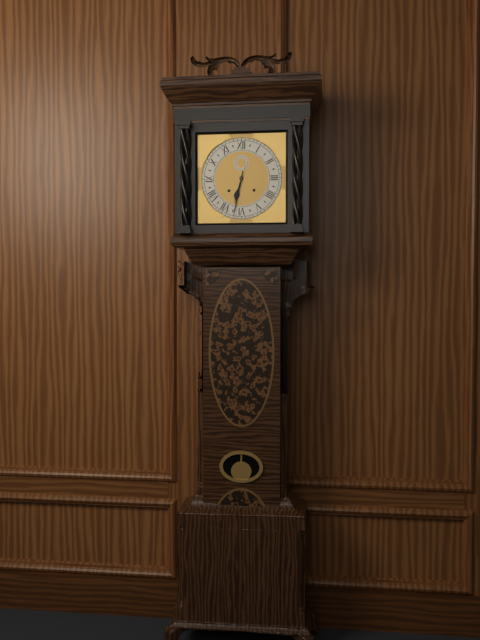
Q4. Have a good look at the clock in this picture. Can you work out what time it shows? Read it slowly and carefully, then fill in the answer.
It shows 6:32
